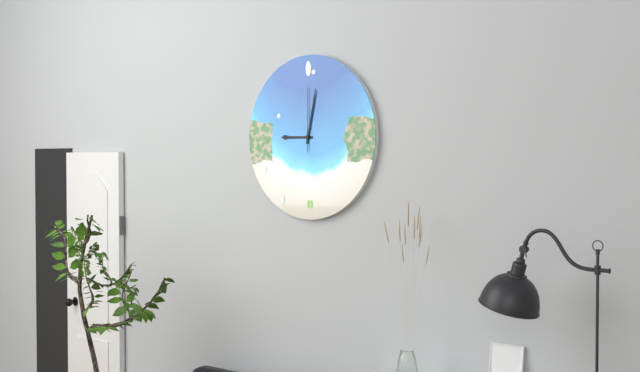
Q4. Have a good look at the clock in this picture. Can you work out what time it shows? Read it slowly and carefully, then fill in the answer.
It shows 9:02:00
